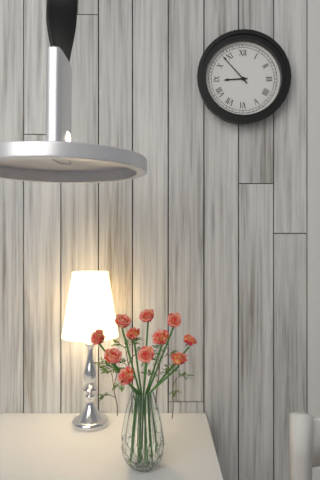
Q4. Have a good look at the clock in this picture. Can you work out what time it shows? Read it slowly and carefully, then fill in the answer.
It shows 8:53
